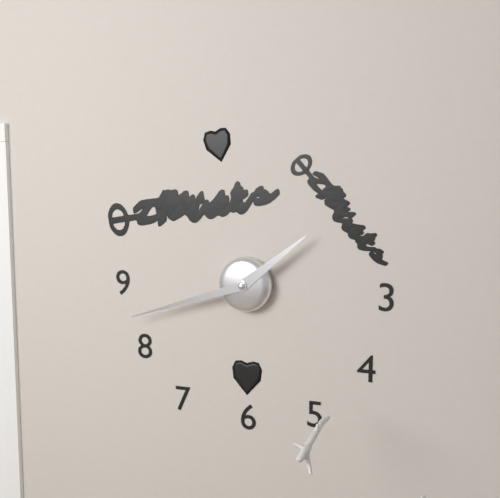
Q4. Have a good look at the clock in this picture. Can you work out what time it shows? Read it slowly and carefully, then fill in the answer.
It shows 1:42
